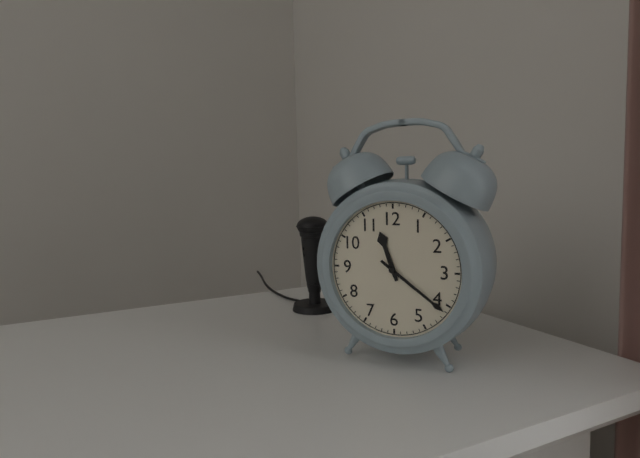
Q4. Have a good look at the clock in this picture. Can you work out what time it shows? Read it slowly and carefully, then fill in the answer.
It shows 11:21
